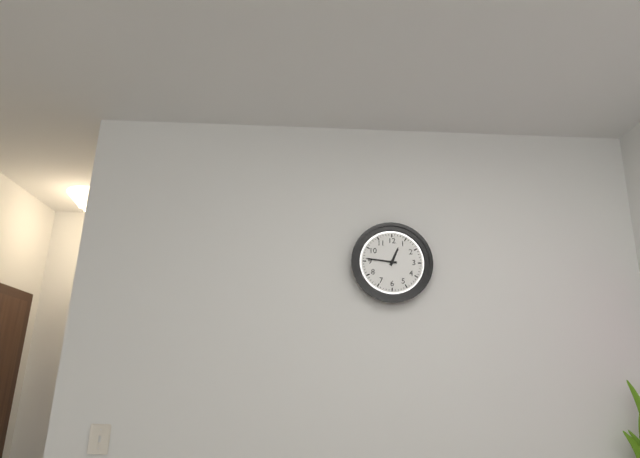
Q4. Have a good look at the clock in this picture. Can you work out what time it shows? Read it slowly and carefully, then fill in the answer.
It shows 12:46
